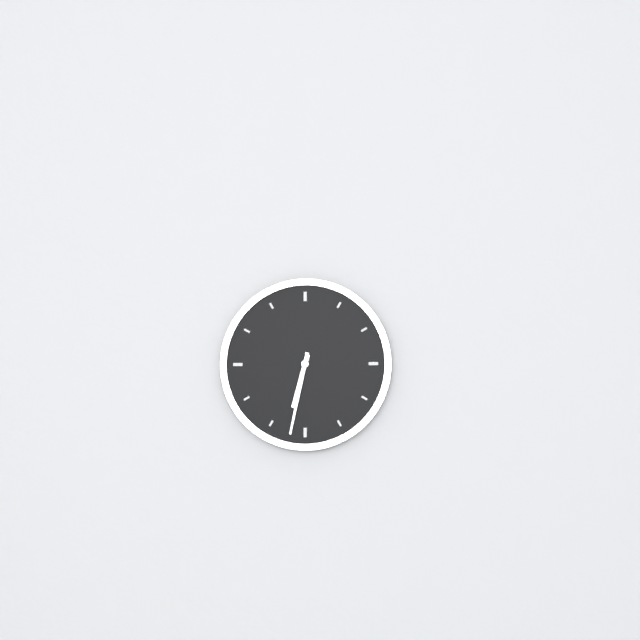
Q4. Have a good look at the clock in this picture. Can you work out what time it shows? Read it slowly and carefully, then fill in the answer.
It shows 6:32
